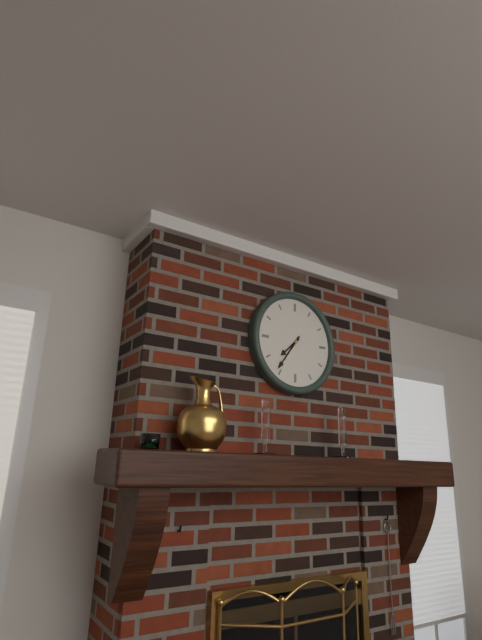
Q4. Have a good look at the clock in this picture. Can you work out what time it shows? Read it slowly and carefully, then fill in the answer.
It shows 7:36
